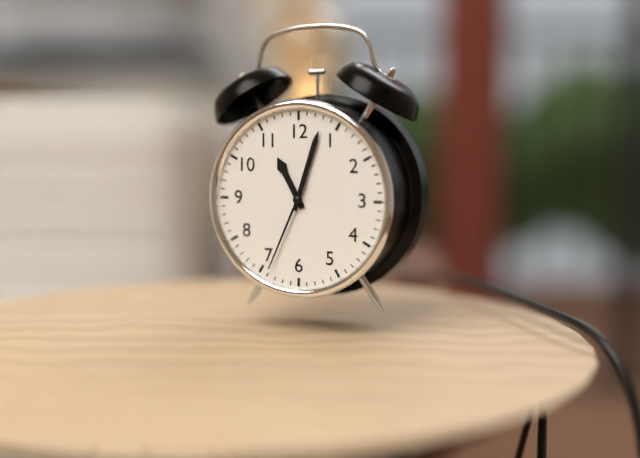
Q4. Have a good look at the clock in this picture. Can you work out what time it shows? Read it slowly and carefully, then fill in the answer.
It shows 11:03:34
